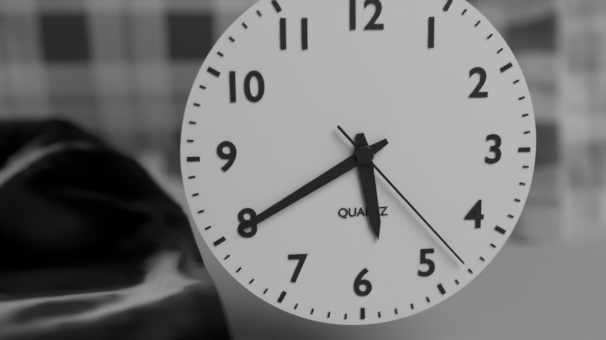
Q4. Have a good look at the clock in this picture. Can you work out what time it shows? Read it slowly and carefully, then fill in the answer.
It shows 5:40:23
